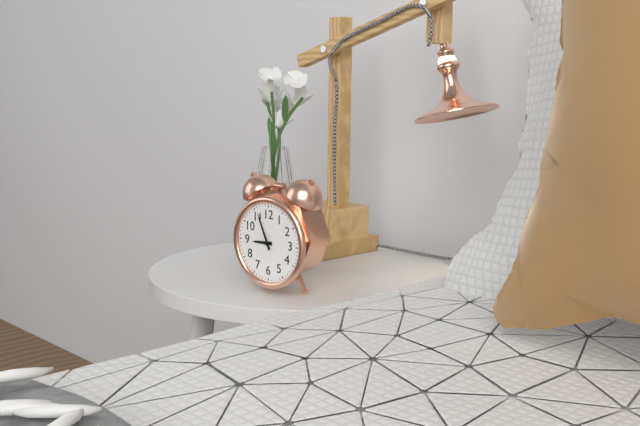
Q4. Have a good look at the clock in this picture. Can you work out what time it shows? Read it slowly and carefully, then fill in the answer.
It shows 8:56
